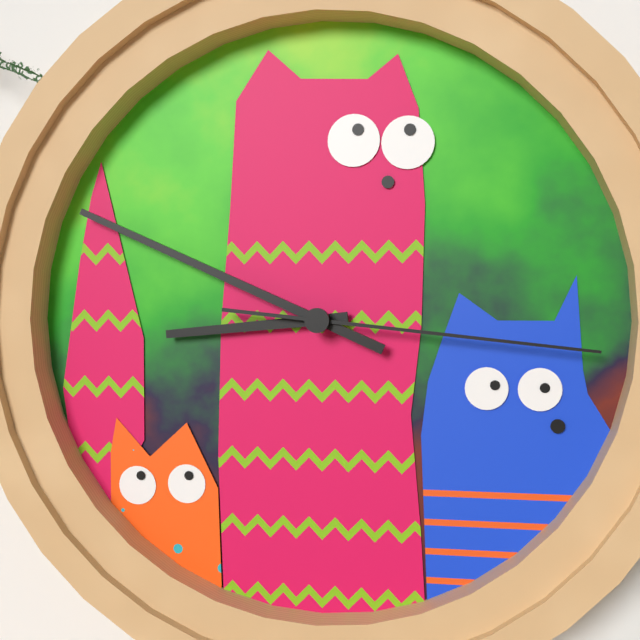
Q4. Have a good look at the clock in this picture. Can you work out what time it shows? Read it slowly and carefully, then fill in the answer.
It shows 8:49:16
